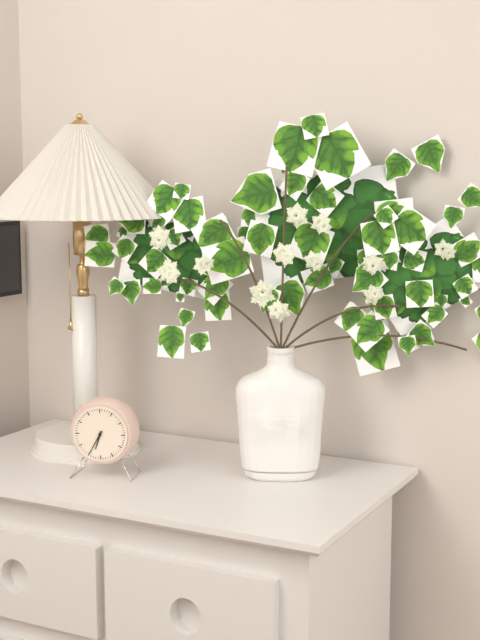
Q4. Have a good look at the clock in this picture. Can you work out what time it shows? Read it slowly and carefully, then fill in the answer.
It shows 6:35
